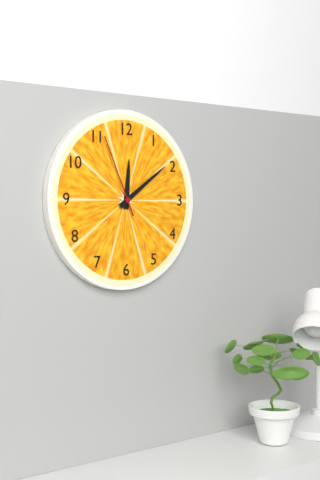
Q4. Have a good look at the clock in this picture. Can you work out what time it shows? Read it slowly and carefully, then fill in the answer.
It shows 12:09:56
